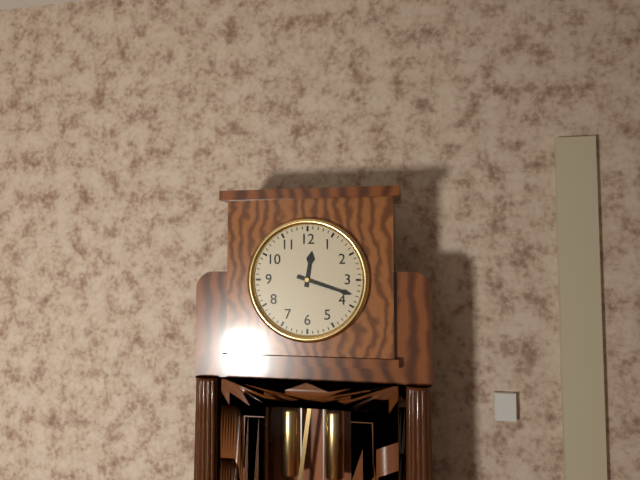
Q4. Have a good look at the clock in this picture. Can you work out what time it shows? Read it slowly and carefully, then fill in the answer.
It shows 12:18
